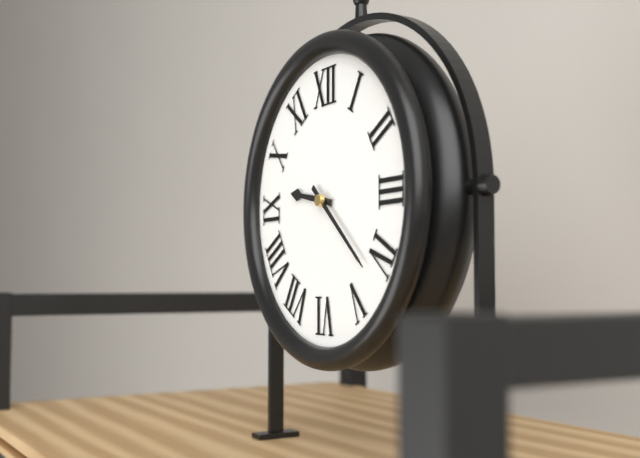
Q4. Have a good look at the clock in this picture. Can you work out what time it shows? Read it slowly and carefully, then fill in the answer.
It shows 9:22
